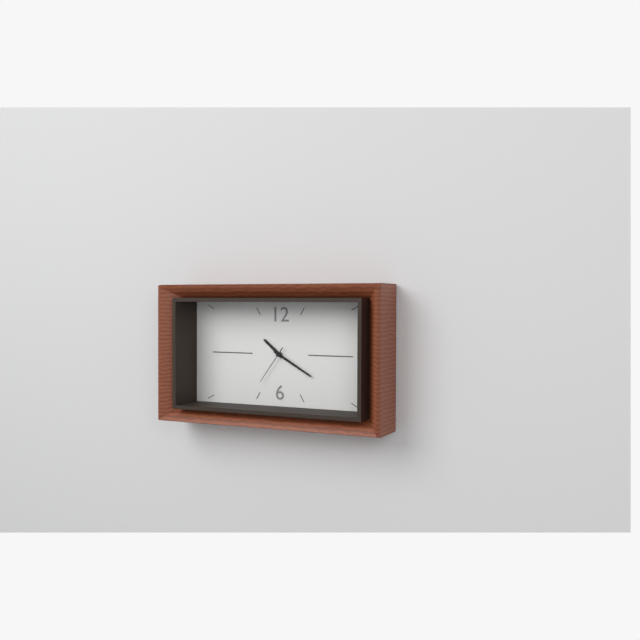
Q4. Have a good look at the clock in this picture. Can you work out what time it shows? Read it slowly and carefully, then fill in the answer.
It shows 10:20
